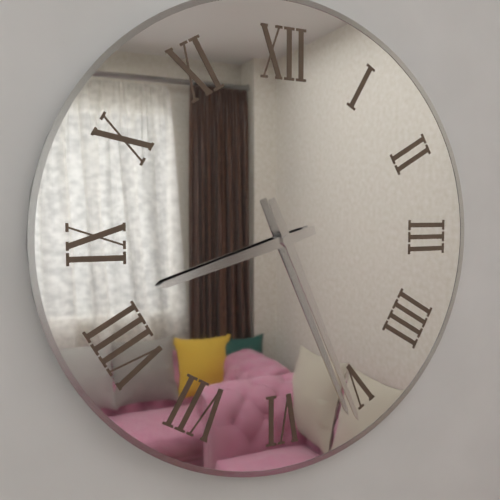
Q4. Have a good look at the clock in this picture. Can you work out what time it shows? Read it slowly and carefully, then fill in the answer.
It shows 8:26
